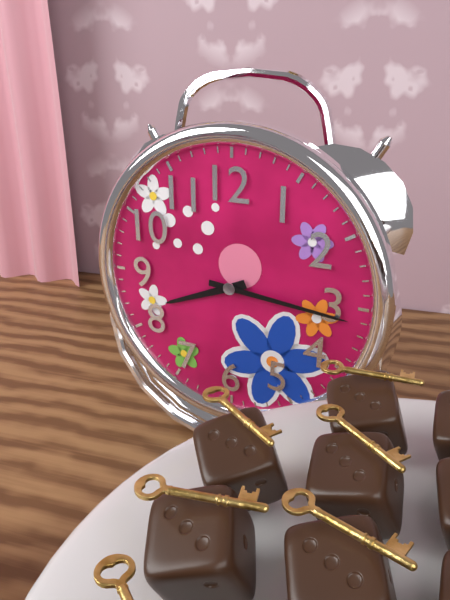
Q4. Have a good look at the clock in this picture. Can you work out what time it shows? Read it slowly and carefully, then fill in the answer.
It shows 8:16
